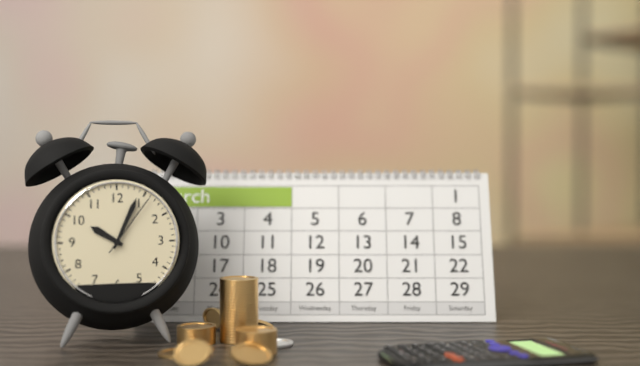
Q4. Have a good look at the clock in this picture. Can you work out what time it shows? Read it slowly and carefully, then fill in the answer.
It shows 10:04:06
